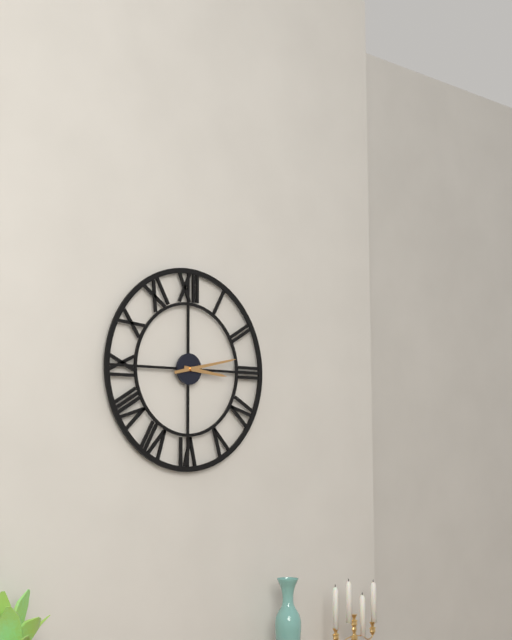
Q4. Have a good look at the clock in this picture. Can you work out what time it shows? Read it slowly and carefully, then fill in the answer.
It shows 3:13
